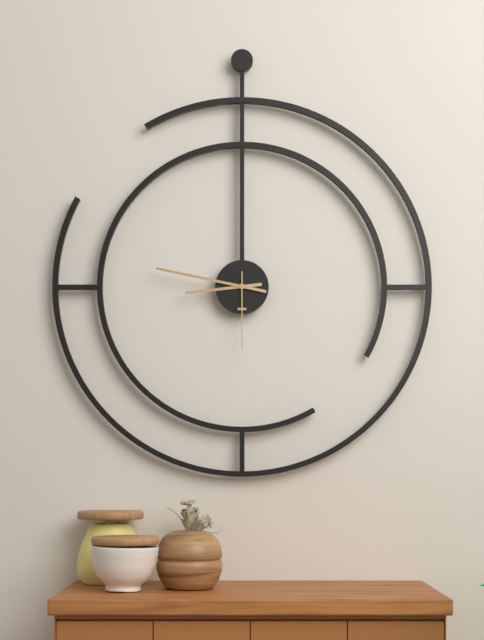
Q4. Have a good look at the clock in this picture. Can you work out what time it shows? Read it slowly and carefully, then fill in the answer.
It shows 8:47:30
